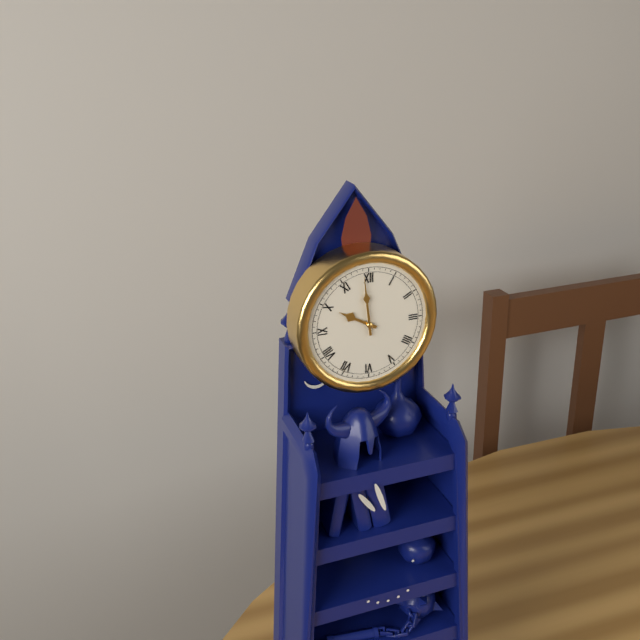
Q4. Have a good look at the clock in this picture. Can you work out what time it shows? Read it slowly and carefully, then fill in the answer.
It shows 9:59
